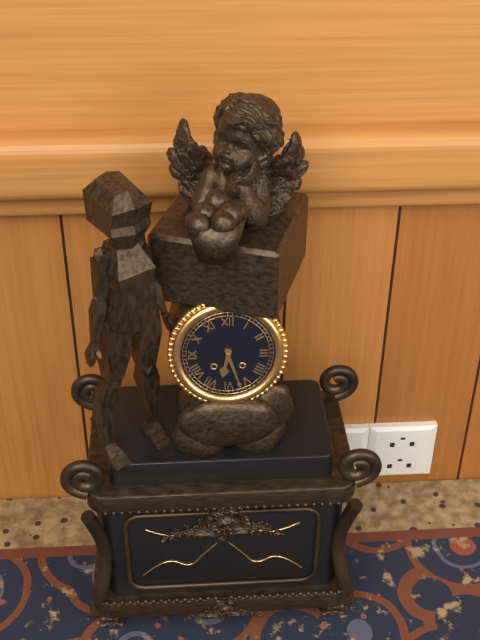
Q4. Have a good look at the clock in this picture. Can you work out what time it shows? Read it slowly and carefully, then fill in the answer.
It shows 6:27
